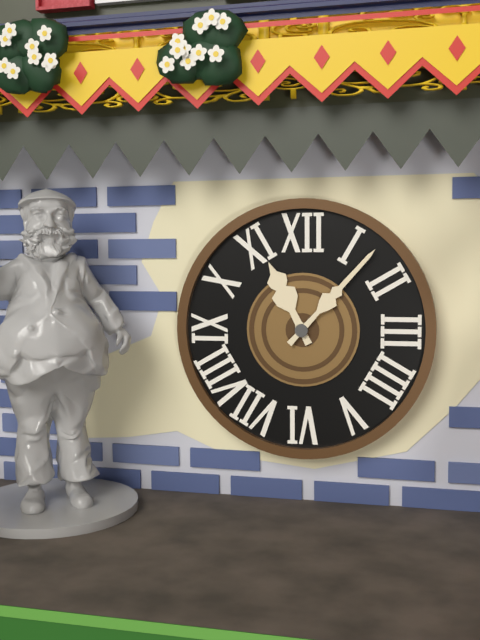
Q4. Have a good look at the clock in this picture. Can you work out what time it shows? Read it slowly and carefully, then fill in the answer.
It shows 11:07
